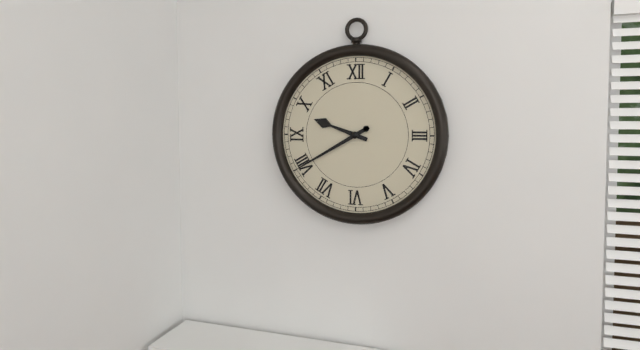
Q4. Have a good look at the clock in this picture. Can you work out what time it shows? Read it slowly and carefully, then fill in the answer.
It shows 9:40
